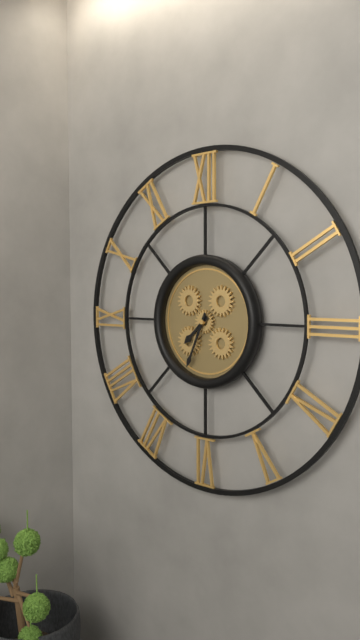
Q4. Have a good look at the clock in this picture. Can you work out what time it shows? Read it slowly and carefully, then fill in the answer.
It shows 7:34
